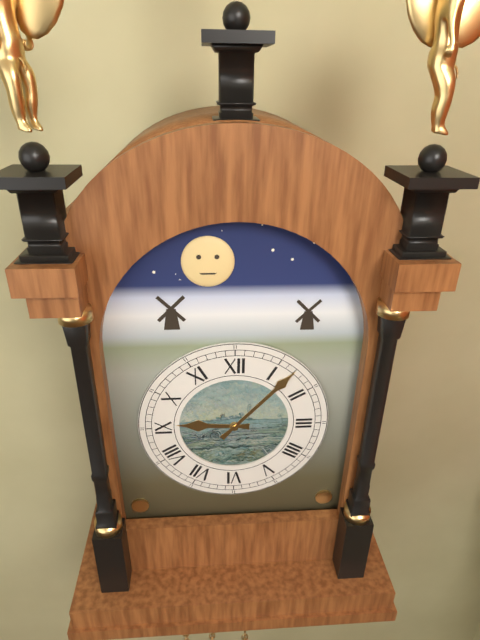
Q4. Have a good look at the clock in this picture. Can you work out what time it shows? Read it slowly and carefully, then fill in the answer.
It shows 9:07
